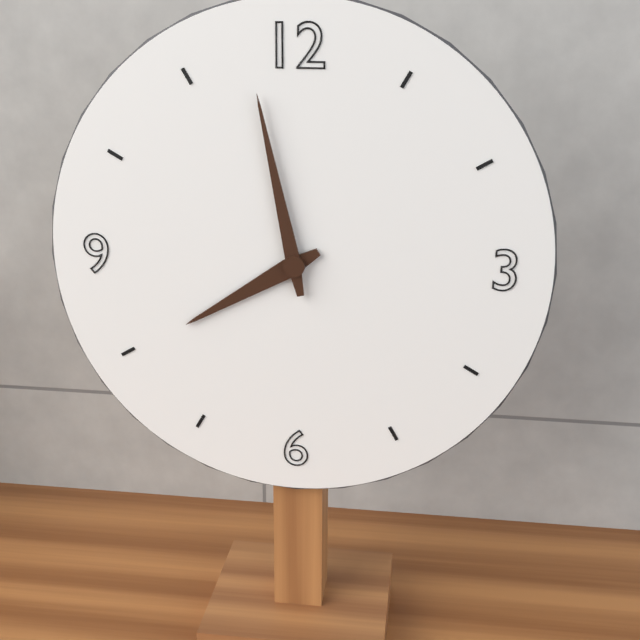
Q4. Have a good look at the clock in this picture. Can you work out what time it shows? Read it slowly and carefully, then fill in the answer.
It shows 7:58
